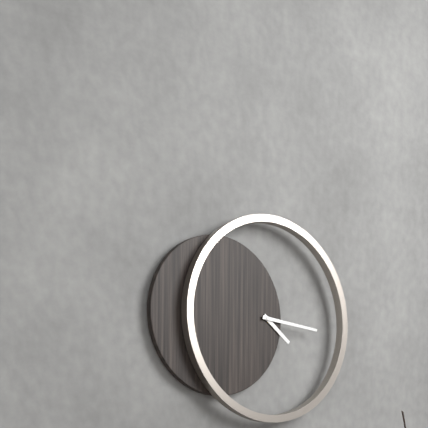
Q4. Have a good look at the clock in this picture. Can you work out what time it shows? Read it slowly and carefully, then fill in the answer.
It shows 4:16
